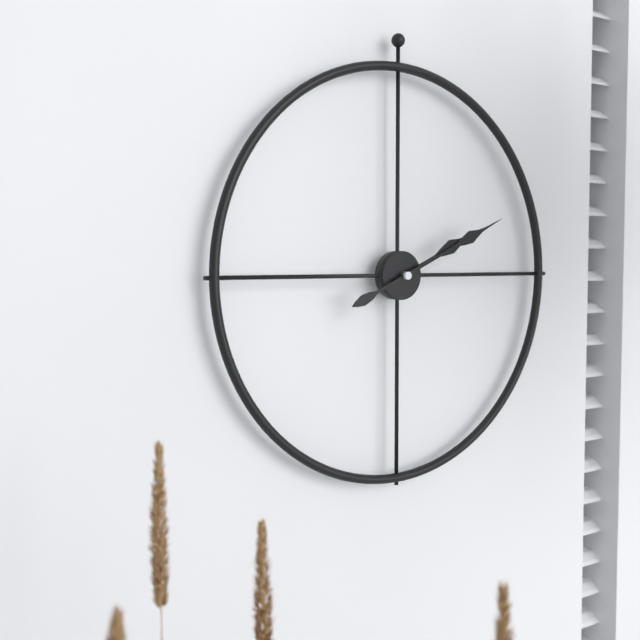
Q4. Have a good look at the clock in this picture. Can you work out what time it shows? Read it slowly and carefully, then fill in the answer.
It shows 2:11
